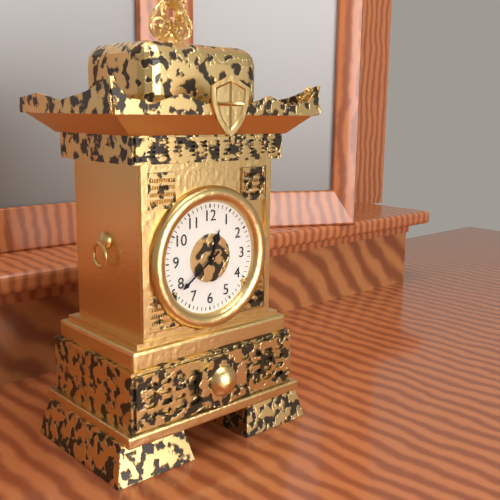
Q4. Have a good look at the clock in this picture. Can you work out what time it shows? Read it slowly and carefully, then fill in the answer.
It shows 12:39
